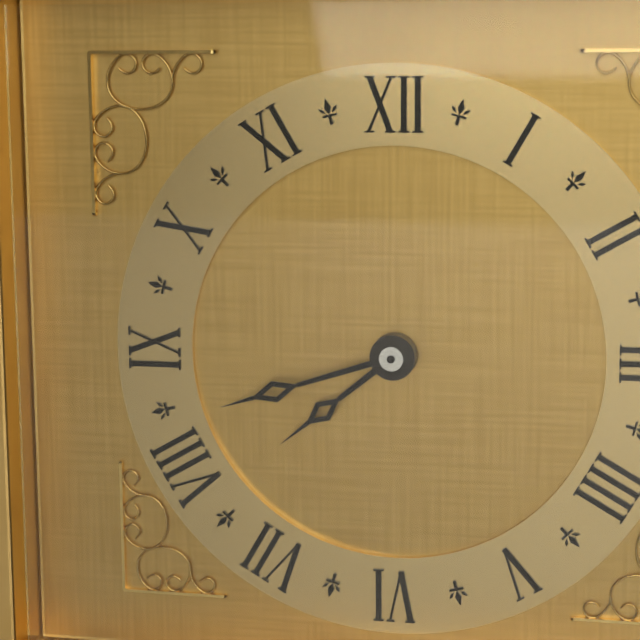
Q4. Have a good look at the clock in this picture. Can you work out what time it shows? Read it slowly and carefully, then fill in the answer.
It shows 7:42
